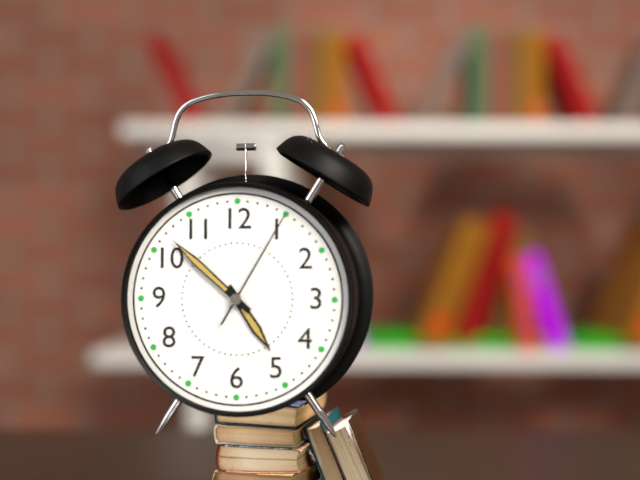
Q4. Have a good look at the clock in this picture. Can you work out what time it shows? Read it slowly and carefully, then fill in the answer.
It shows 4:52:05
